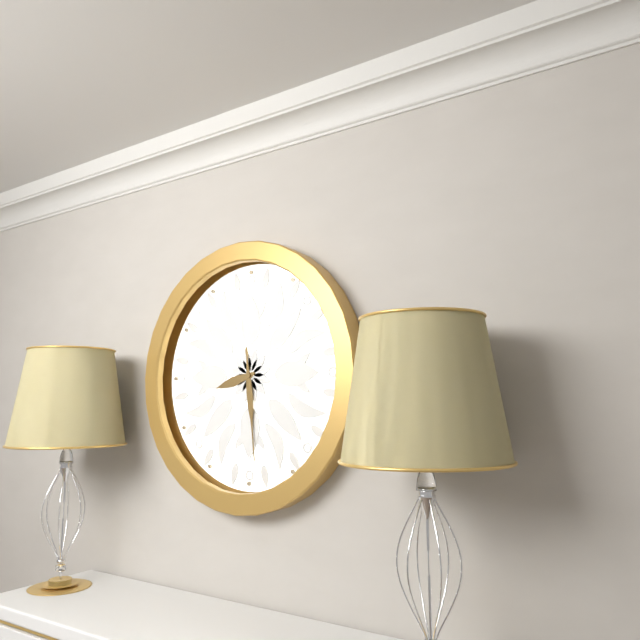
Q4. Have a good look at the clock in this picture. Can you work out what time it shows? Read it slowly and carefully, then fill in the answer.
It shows 8:29
